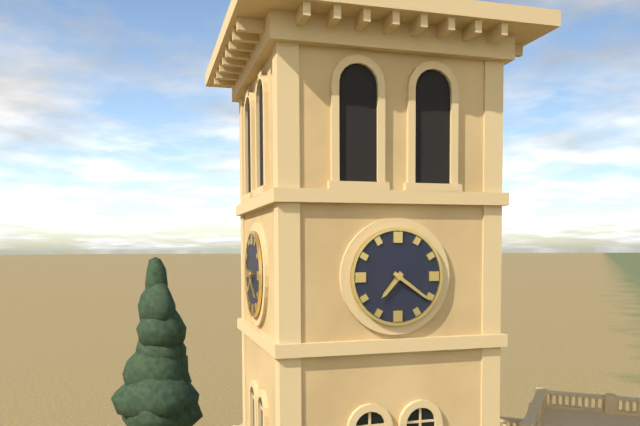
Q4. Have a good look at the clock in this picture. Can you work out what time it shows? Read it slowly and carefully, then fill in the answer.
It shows 7:21
